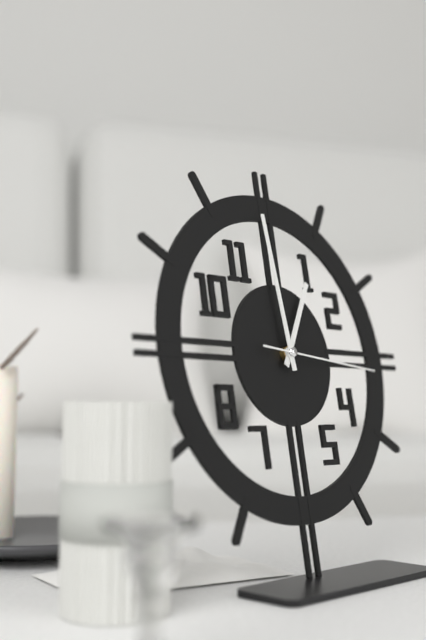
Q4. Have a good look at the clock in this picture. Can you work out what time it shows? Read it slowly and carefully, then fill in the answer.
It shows 12:59:16
